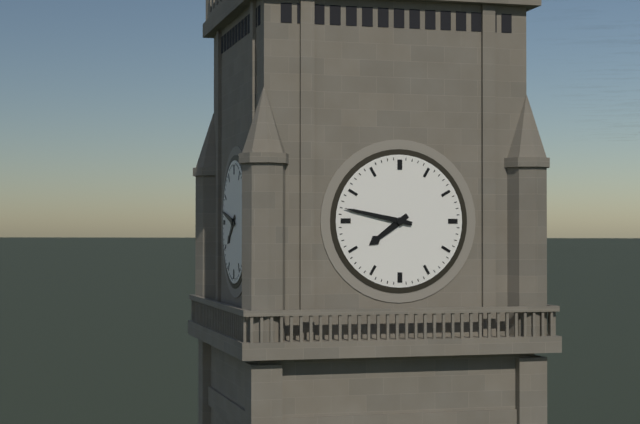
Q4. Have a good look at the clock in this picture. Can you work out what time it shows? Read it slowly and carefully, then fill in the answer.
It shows 7:47
